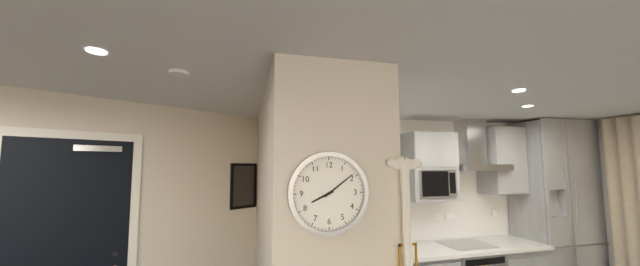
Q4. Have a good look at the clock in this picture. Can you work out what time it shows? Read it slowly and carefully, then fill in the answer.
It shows 8:09
